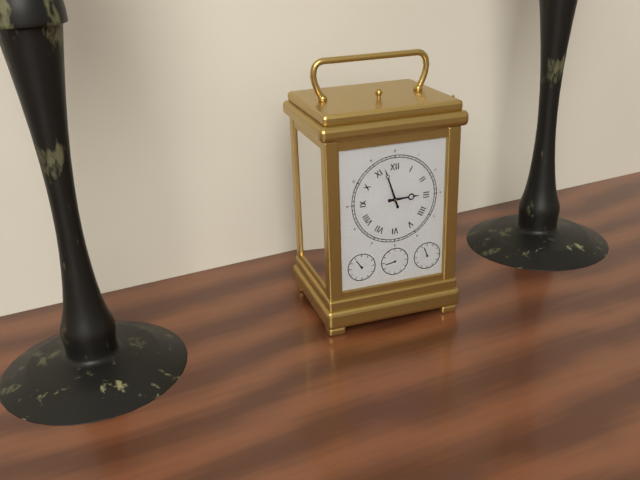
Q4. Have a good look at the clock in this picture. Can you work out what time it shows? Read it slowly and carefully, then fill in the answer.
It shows 2:57
